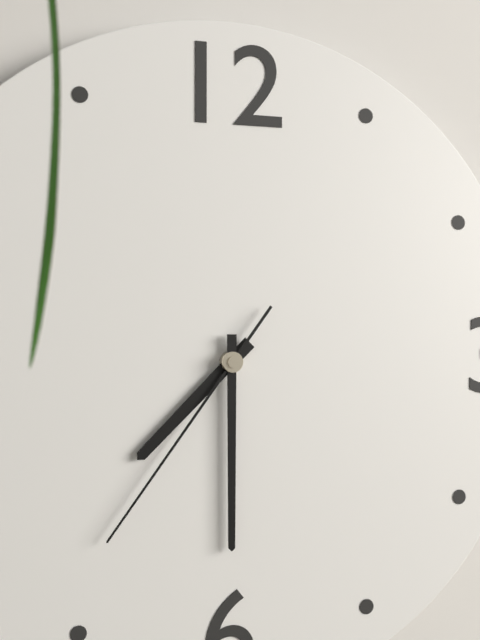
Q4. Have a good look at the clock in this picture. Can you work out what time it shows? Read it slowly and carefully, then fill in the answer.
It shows 7:30:36
